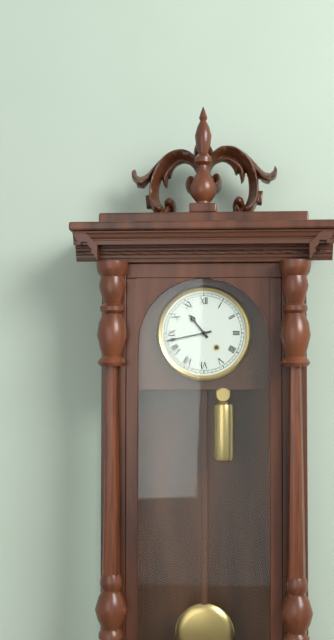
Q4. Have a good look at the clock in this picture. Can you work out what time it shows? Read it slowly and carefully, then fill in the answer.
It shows 10:43
